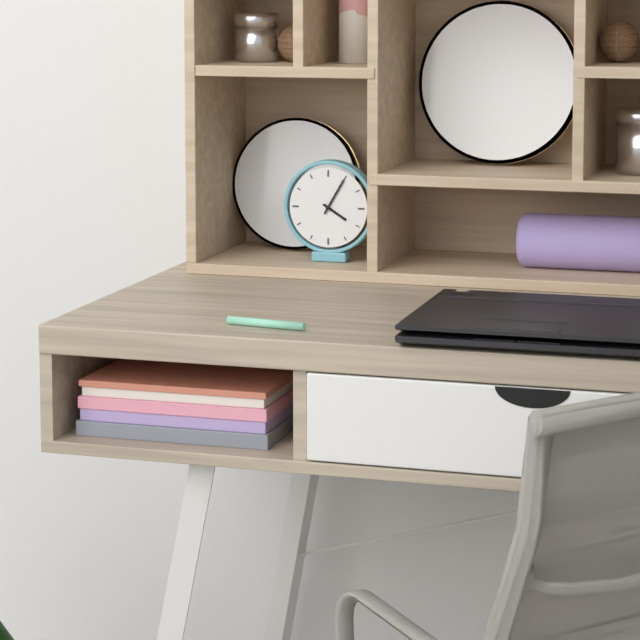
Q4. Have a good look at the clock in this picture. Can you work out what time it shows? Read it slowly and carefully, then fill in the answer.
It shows 4:05
